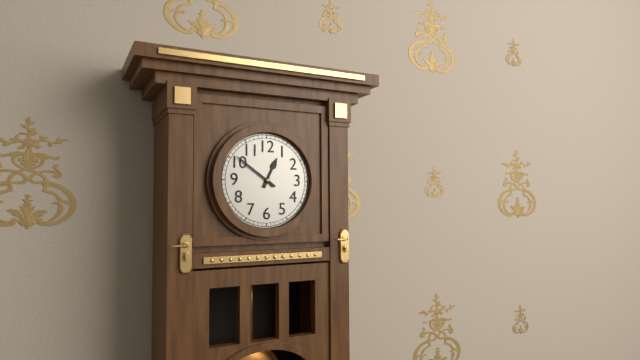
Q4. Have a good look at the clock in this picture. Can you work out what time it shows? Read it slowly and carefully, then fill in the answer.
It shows 12:51
